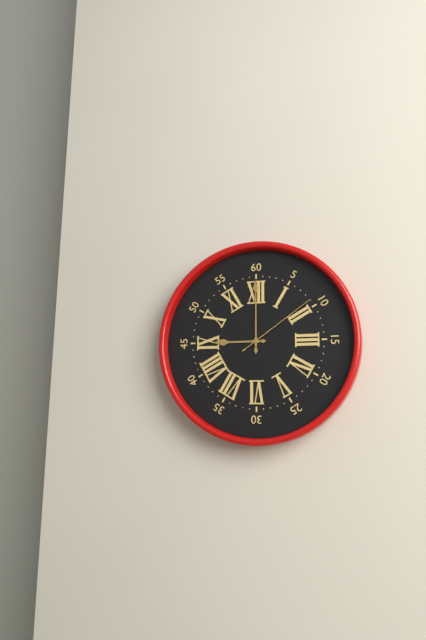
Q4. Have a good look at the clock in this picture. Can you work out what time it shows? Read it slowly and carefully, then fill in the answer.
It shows 9:00:09
